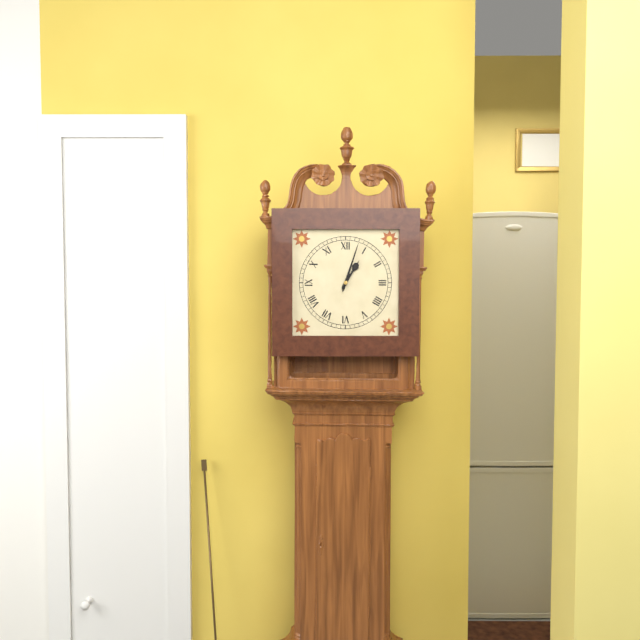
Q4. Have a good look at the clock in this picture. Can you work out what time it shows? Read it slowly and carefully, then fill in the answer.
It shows 1:03
